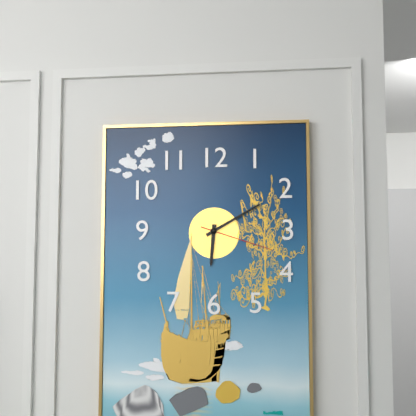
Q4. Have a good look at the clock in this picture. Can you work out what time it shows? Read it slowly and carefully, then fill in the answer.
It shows 6:10:18
